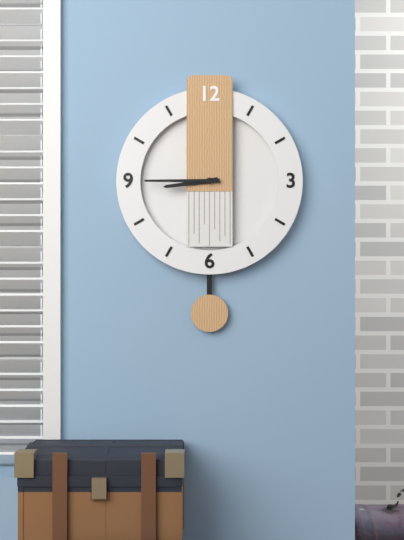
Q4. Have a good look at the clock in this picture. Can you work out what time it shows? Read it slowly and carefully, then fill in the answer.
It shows 8:45
